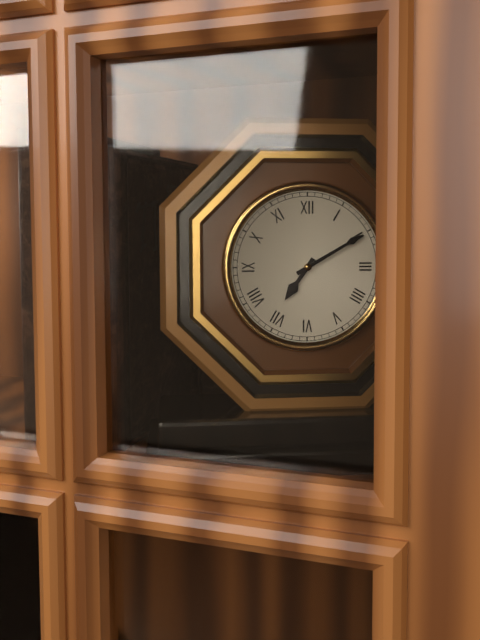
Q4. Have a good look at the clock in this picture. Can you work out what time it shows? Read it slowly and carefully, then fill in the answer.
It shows 7:10
